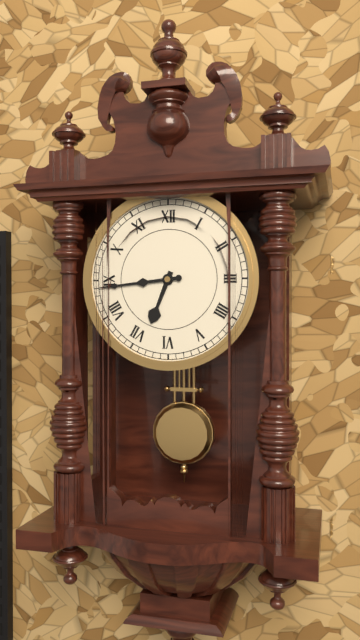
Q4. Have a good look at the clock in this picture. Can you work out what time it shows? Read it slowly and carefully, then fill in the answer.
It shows 6:44
